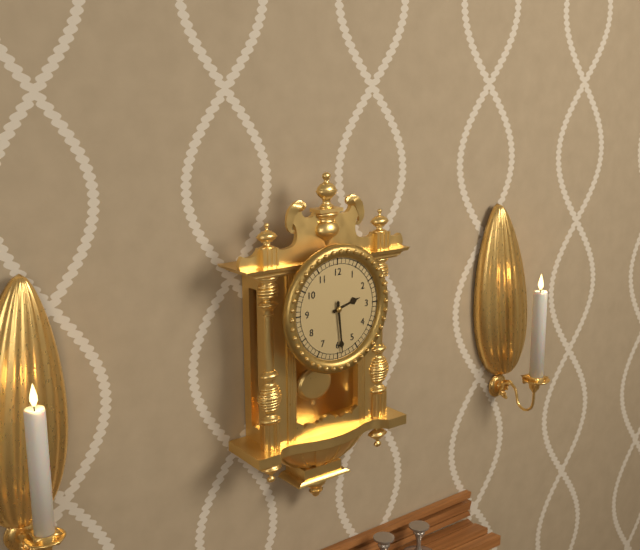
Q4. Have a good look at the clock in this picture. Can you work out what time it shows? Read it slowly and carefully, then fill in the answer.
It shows 2:29
